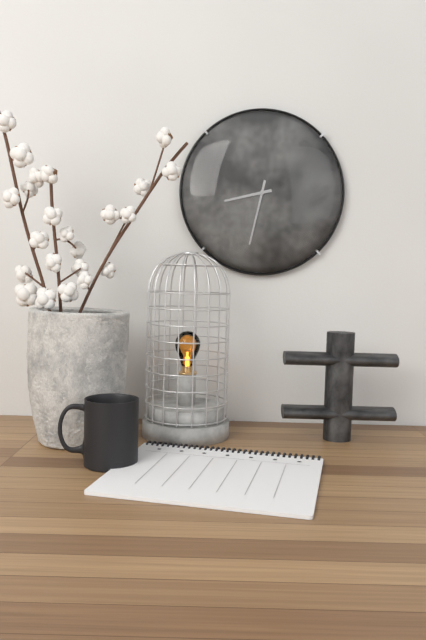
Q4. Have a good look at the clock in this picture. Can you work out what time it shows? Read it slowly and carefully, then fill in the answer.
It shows 8:32
